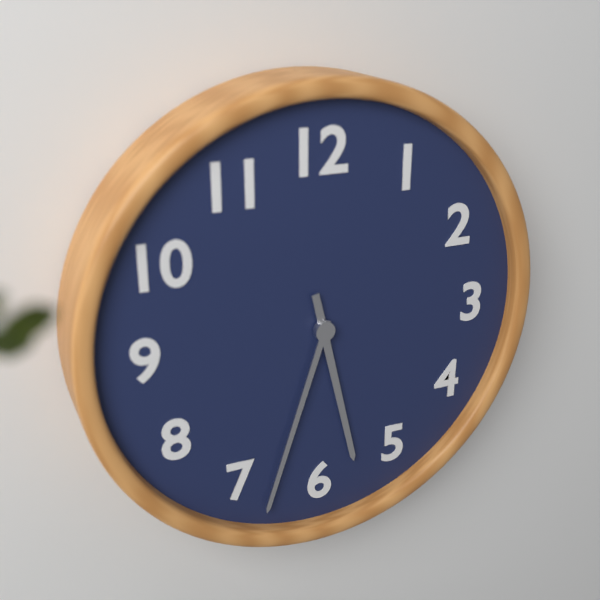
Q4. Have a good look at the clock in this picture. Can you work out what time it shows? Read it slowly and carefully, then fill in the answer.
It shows 5:33
